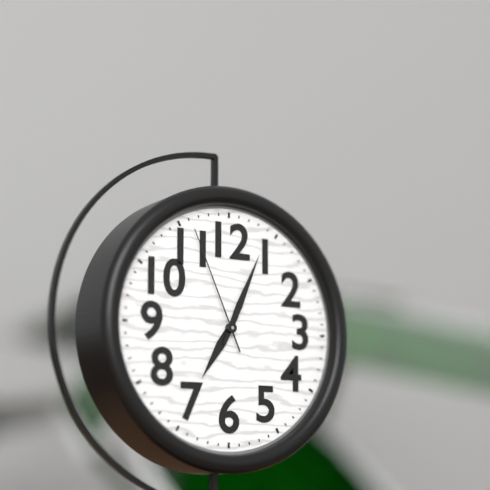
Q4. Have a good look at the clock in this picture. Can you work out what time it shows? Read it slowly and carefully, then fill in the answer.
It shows 7:04:56
